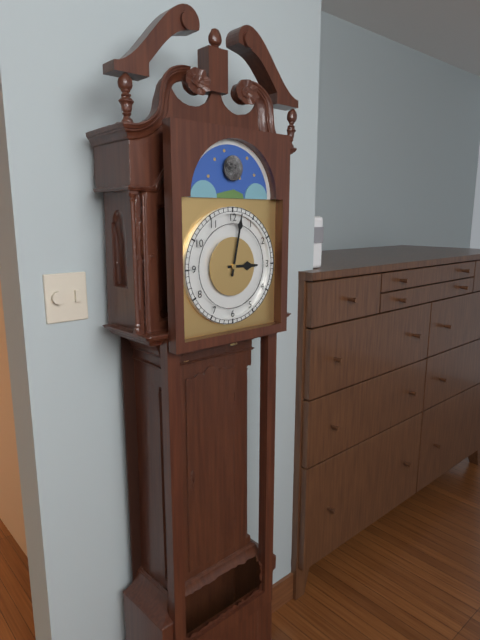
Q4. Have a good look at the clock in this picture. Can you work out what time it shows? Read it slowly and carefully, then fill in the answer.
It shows 3:02
